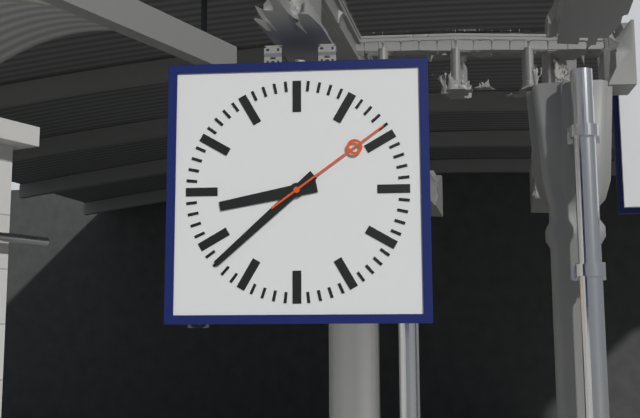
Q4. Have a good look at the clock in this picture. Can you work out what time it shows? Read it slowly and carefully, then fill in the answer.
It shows 8:38:09
